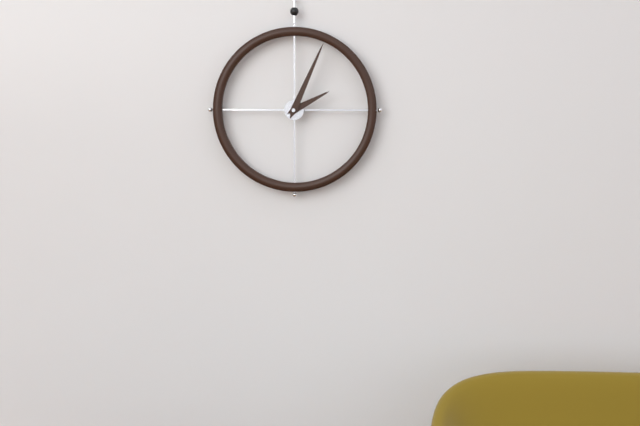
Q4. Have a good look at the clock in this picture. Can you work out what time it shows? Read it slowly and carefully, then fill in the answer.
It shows 2:04
